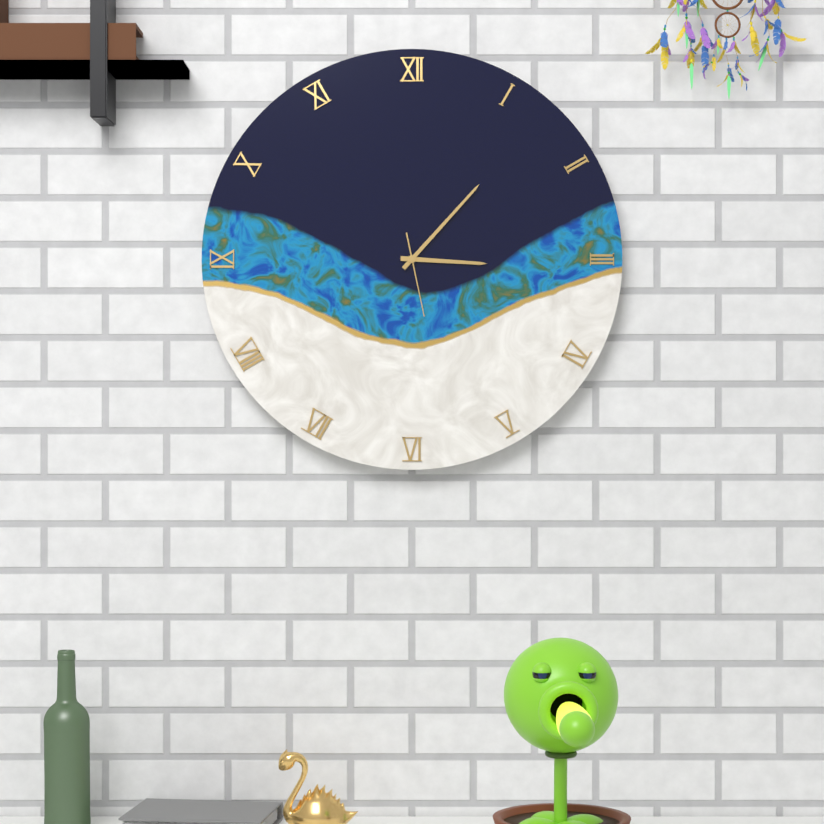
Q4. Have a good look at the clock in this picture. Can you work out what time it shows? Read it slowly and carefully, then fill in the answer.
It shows 3:07:28
